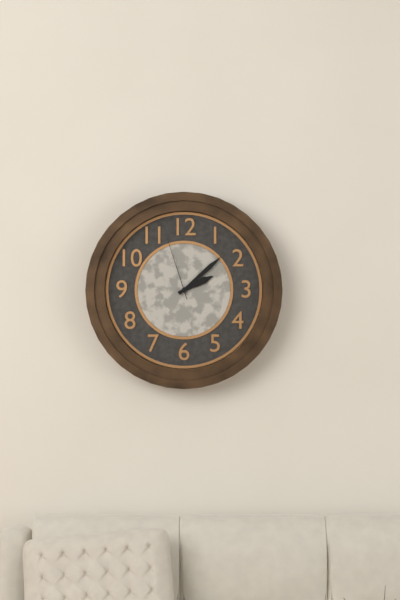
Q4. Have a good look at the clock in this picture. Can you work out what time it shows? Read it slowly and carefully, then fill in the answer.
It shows 2:08:57
